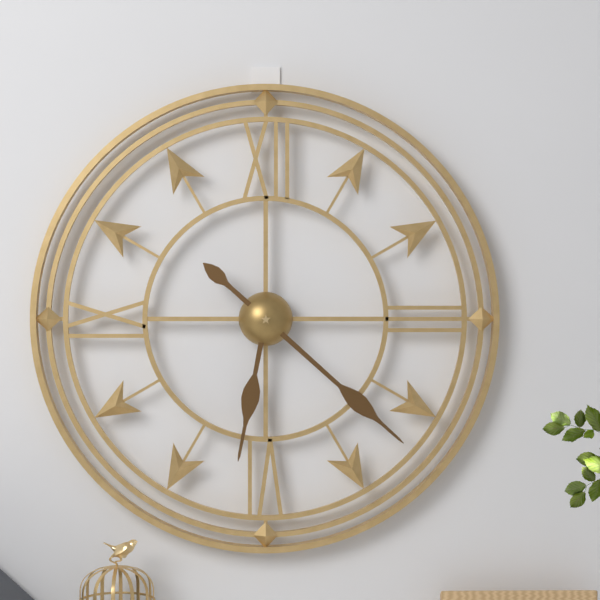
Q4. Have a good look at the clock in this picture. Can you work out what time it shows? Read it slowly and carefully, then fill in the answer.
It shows 6:22
